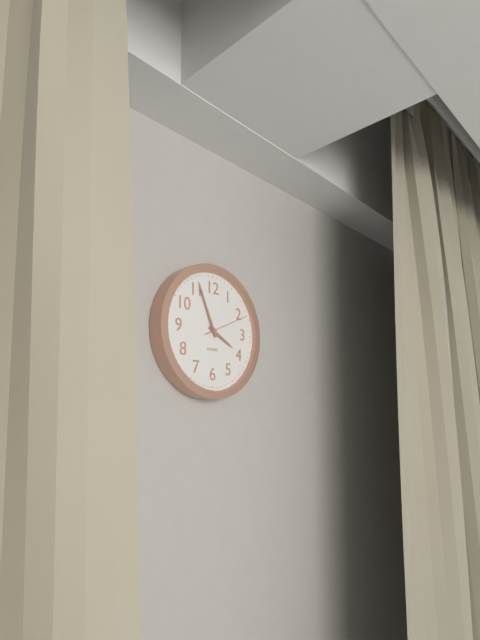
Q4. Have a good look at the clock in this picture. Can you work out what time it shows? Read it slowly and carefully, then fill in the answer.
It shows 3:56
